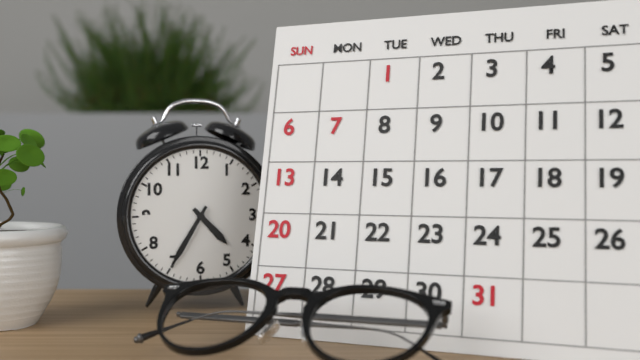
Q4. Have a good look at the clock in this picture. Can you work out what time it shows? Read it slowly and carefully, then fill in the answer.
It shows 4:35
